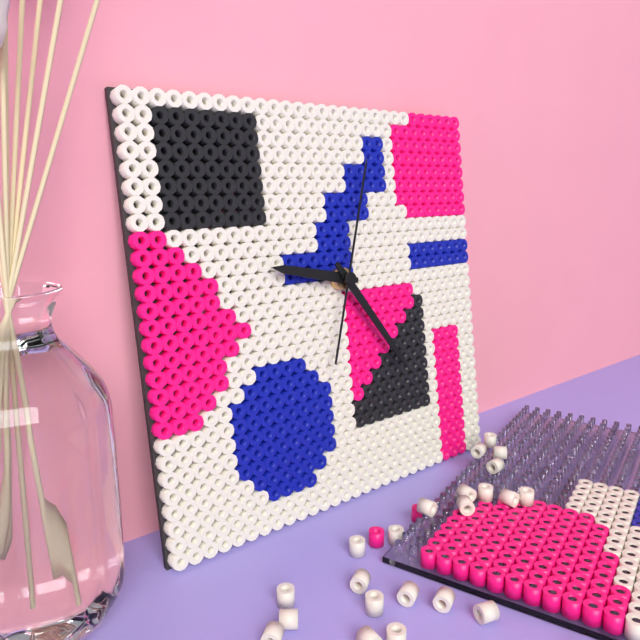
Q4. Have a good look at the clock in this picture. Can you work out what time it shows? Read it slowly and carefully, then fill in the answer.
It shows 9:24:03
